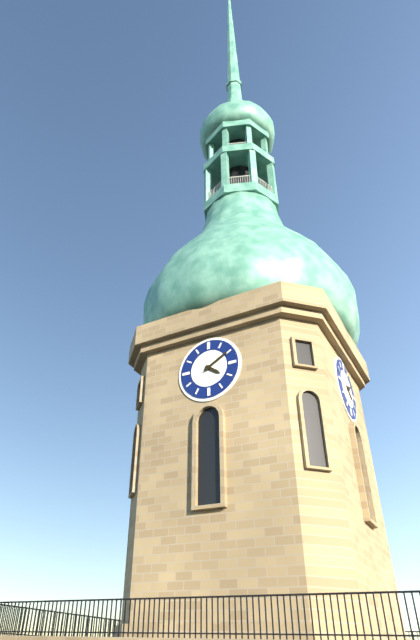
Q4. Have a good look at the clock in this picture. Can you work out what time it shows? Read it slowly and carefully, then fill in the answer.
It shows 4:10
